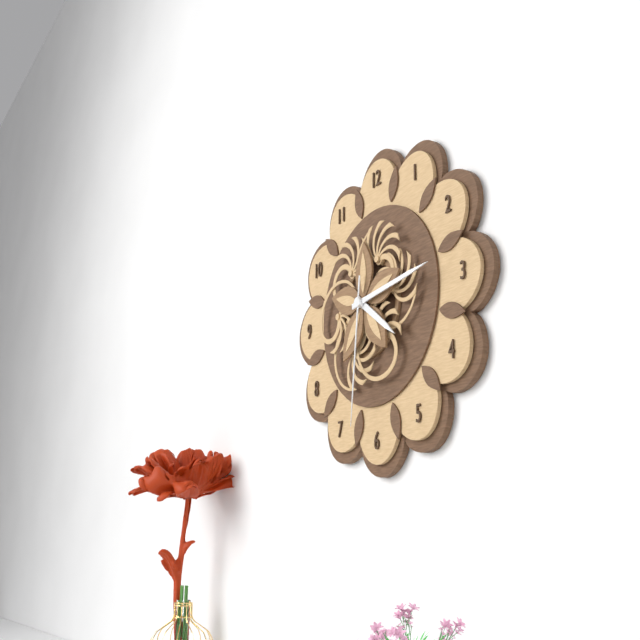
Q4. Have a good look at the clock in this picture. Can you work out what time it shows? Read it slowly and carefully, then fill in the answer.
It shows 4:14:31
